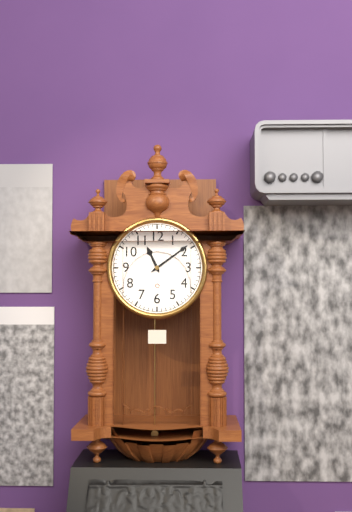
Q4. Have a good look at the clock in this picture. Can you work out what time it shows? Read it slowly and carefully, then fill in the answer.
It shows 11:09
